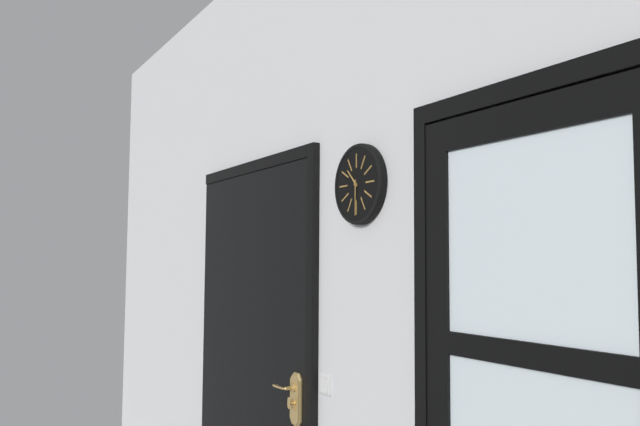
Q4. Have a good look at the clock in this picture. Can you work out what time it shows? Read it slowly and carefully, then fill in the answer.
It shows 10:30
